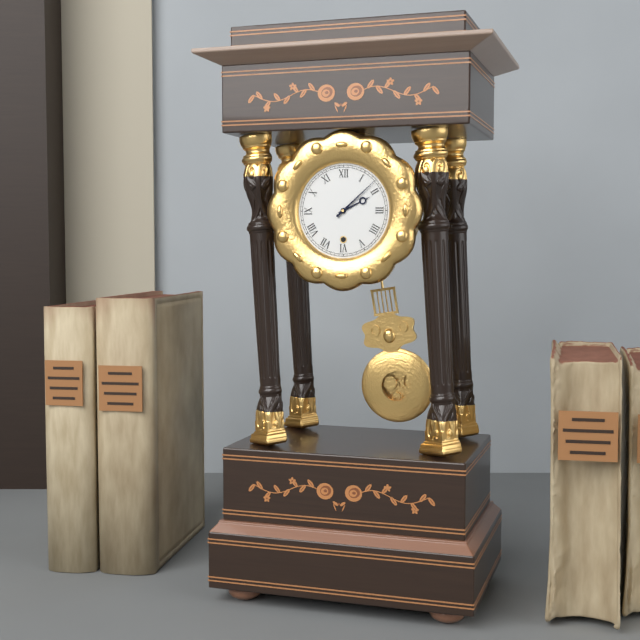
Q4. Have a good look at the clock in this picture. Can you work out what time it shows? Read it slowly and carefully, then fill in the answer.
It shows 2:08
